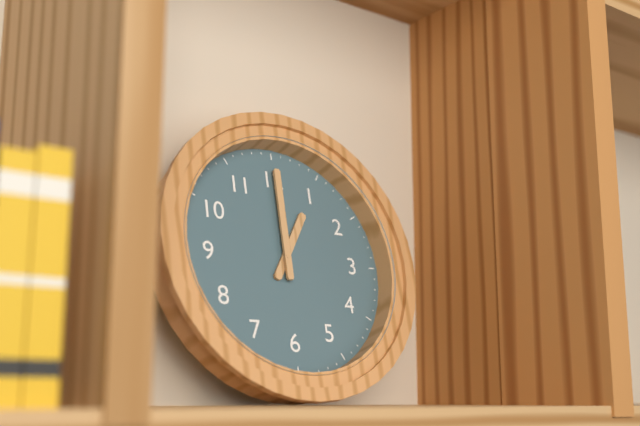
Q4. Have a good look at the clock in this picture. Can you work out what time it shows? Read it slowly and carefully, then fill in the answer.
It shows 1:00
